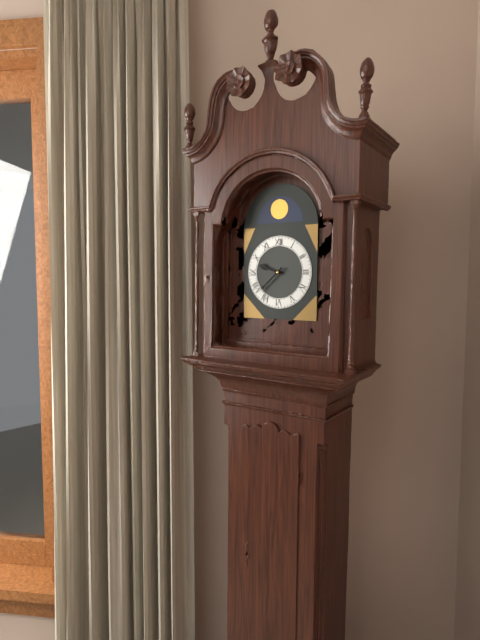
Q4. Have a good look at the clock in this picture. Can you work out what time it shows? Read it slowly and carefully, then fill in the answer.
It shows 9:38
